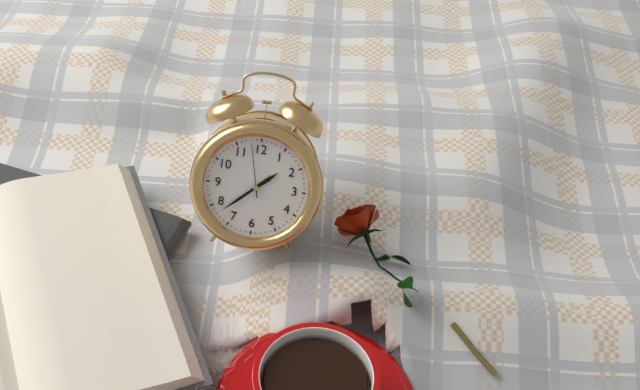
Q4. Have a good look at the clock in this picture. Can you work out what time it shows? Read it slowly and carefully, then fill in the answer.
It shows 1:38:58
